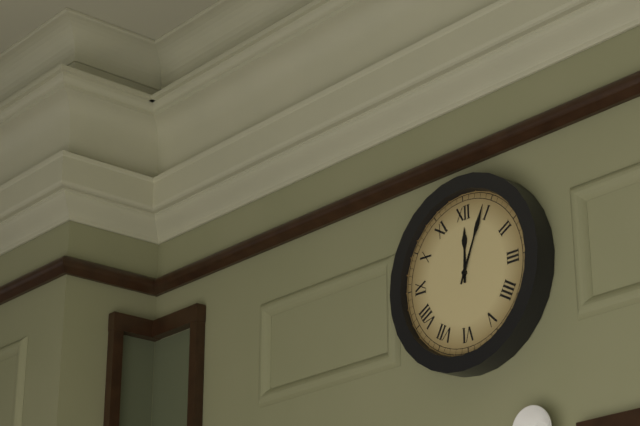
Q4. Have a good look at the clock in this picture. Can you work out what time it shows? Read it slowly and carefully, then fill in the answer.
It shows 12:04
